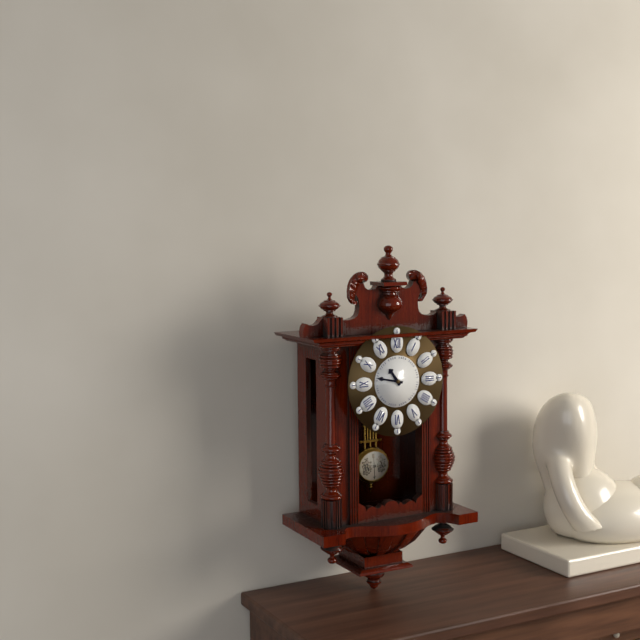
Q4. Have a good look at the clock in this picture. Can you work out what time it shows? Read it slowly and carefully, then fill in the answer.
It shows 10:47
